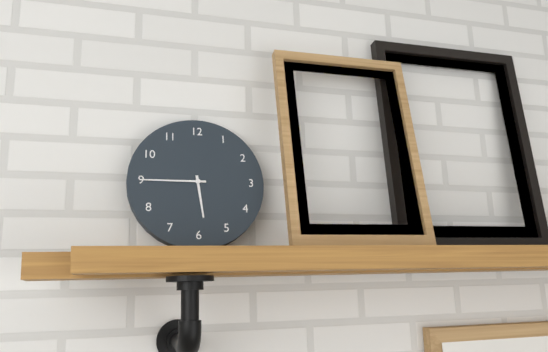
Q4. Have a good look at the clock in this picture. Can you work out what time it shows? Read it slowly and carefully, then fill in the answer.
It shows 5:45
